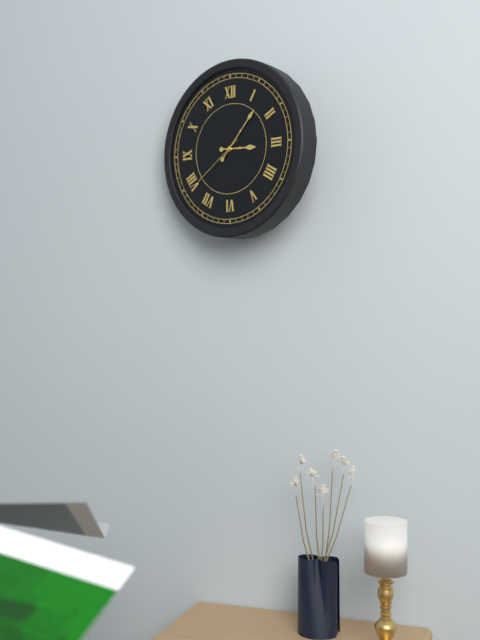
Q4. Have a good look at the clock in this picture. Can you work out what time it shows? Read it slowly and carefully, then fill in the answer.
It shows 3:07:39
